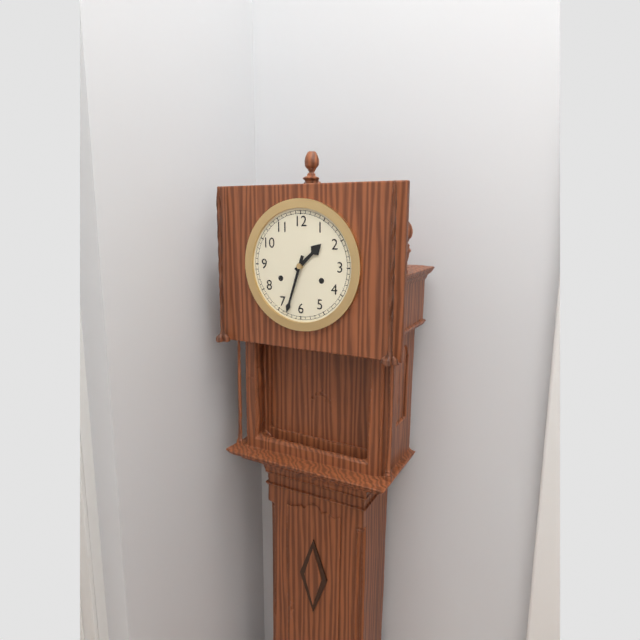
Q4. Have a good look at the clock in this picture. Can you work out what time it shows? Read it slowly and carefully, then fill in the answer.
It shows 1:33
